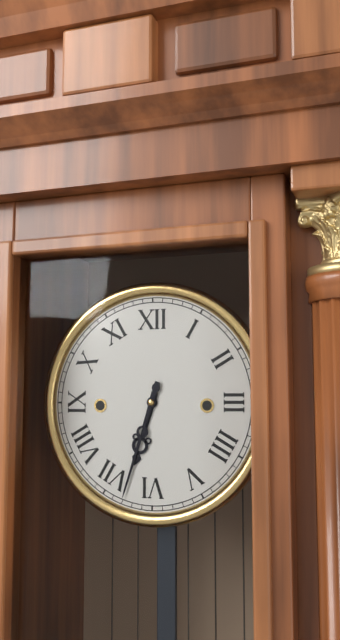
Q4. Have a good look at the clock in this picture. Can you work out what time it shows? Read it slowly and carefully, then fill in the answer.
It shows 6:33
